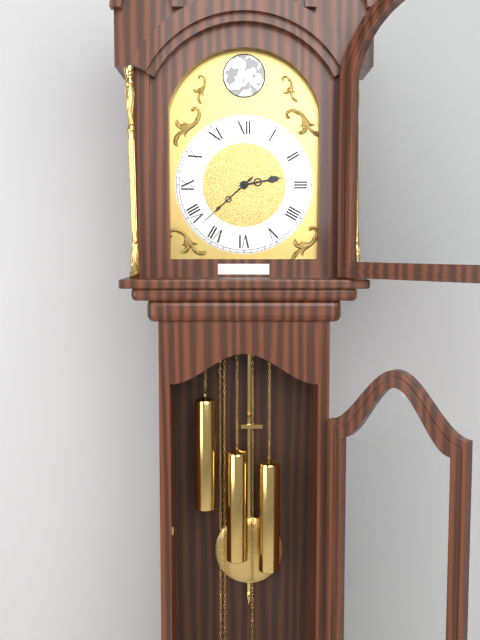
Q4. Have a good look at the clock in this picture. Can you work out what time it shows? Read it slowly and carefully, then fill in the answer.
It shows 2:38
